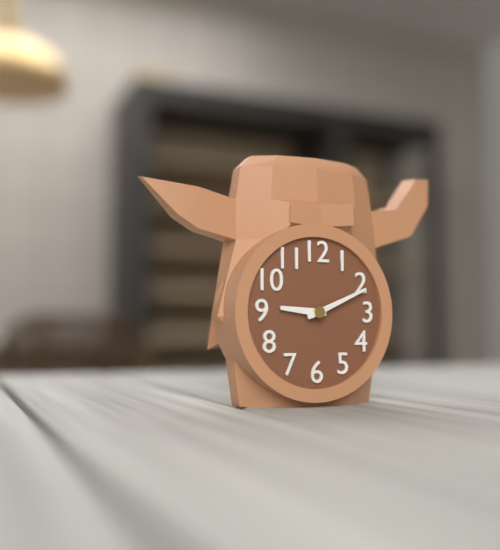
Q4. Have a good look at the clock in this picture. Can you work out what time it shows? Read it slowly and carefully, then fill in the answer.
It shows 9:11
